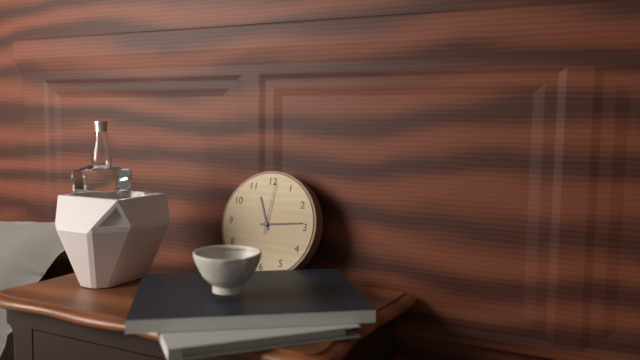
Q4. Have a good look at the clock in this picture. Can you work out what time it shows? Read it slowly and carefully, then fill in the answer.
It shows 11:14:01
